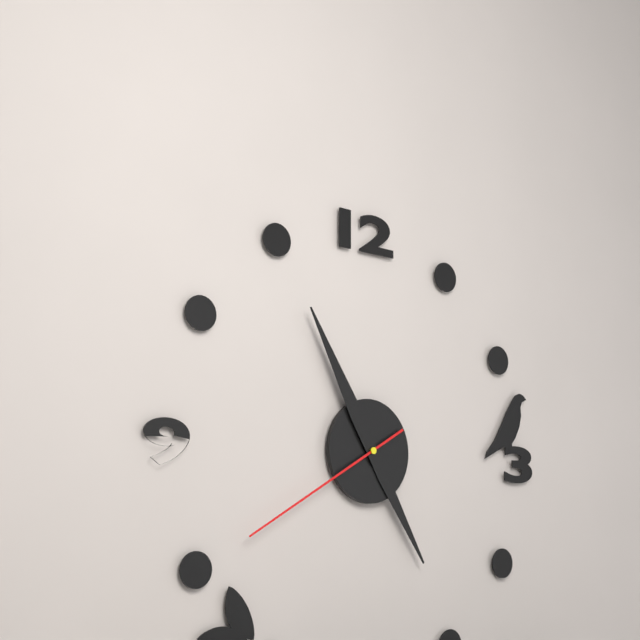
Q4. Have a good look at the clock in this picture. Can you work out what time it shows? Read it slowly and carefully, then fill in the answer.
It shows 4:55:40
